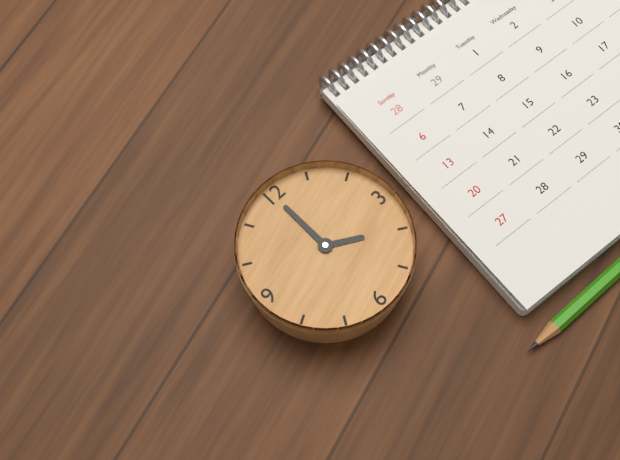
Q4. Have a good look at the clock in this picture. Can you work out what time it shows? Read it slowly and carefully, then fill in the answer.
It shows 4:00
